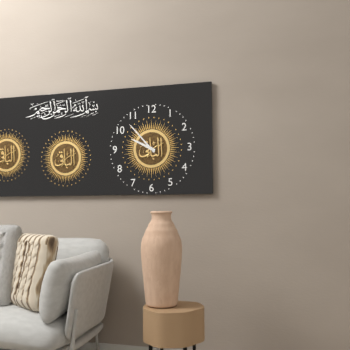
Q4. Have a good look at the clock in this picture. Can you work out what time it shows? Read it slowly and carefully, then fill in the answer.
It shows 9:53
